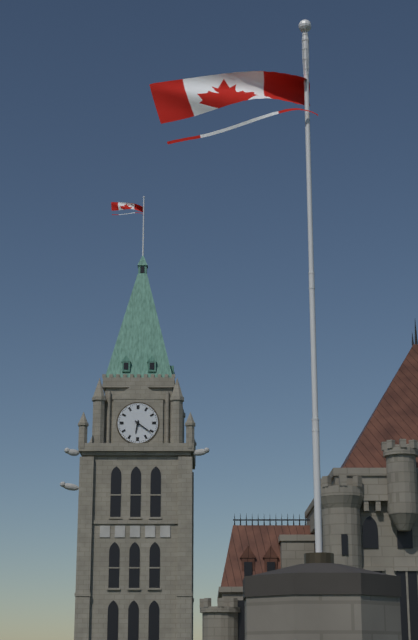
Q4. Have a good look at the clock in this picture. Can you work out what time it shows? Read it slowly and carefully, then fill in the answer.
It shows 6:21
